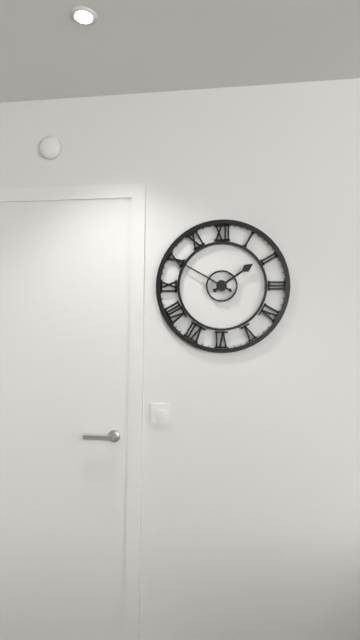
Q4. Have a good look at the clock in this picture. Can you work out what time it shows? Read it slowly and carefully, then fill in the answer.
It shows 1:50
